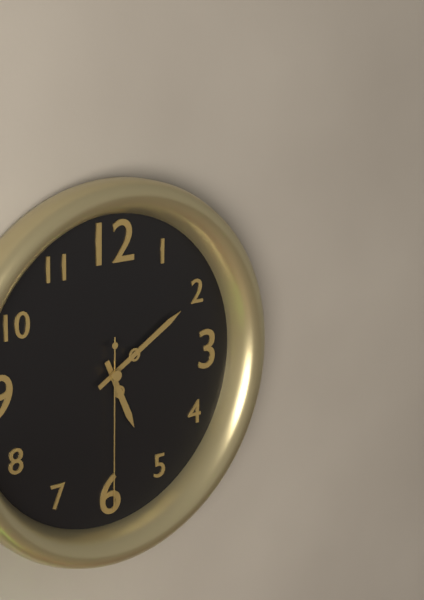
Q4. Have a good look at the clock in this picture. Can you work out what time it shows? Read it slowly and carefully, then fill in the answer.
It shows 5:10:30
